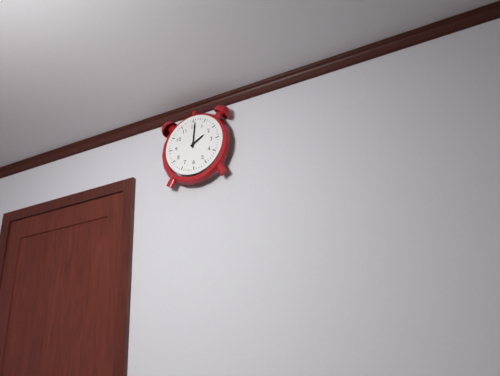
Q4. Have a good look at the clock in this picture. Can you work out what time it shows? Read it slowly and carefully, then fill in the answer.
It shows 2:01
